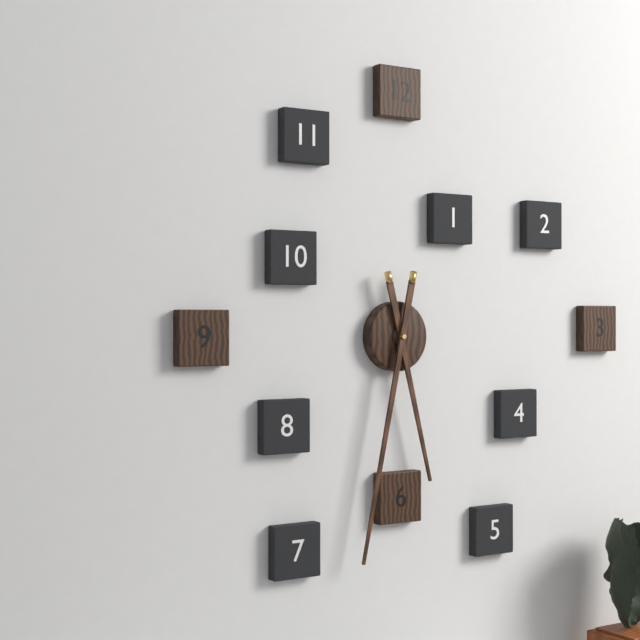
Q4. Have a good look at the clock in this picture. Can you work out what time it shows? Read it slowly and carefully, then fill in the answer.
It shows 5:32
